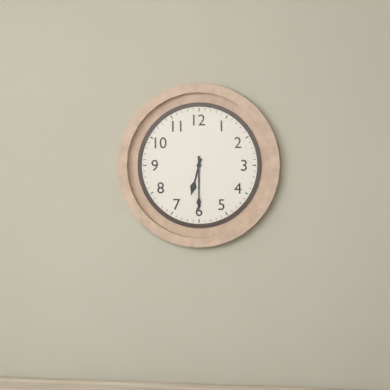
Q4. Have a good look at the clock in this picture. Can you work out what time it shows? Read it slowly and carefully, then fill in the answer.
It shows 6:30
